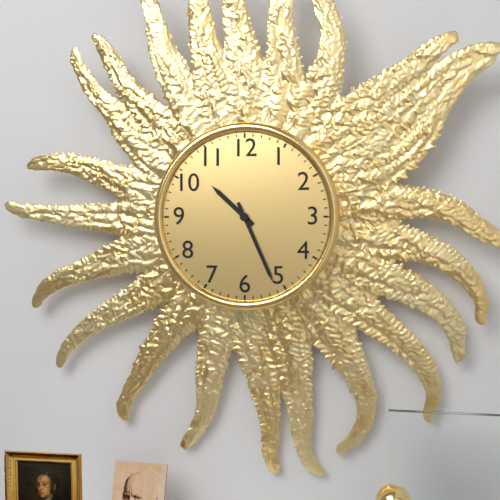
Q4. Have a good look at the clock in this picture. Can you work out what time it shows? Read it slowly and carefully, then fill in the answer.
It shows 10:26
